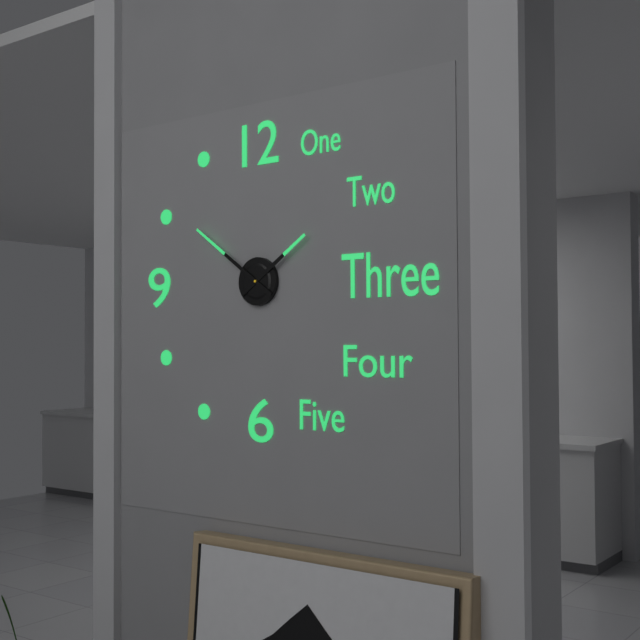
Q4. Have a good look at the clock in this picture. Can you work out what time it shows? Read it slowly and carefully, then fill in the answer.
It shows 1:51
